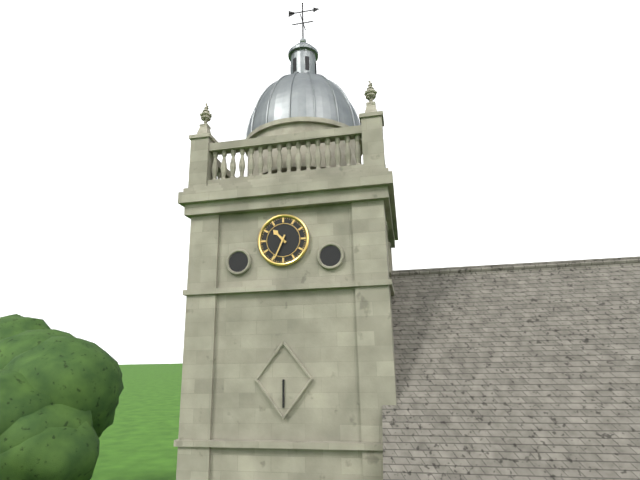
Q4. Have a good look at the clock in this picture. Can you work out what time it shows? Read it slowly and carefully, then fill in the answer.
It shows 10:34
